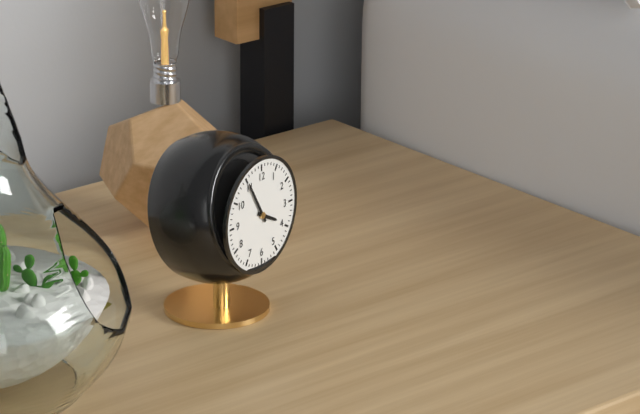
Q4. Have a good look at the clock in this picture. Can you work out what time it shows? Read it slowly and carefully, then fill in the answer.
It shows 3:55
